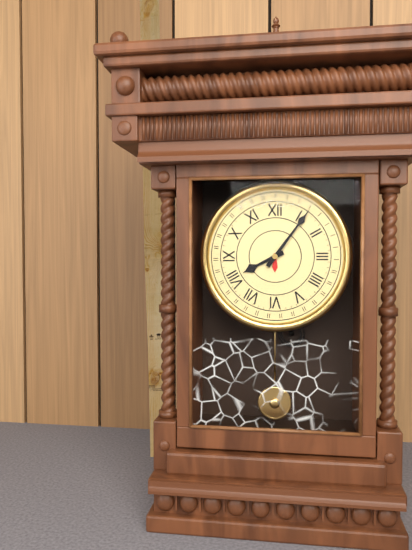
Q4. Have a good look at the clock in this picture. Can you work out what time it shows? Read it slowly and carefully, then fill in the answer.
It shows 8:06
